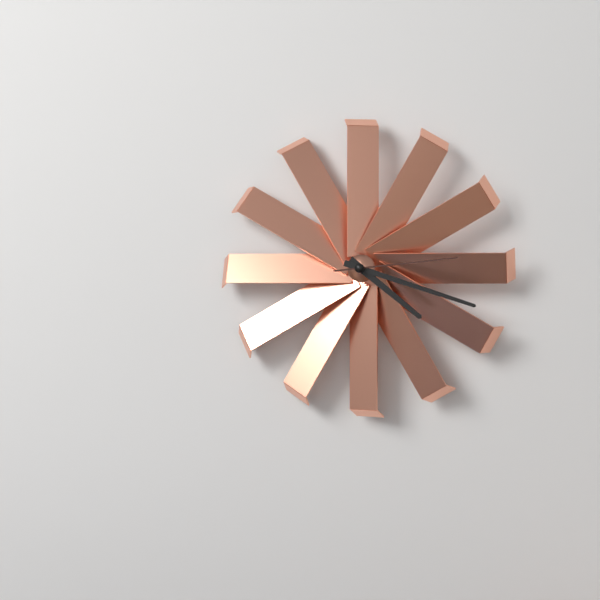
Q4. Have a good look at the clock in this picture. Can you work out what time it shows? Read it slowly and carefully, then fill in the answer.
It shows 4:18:14
